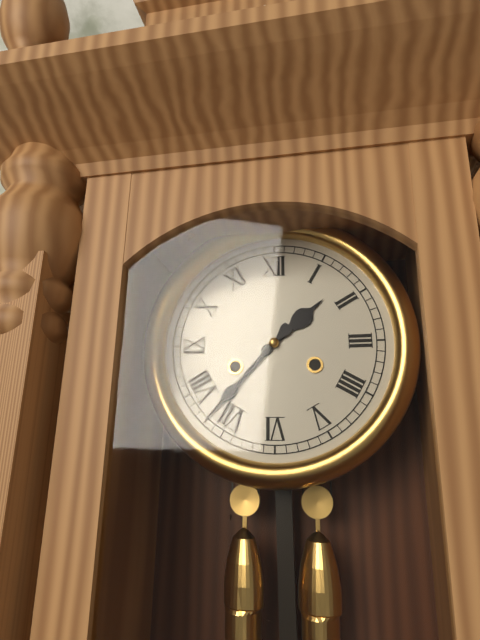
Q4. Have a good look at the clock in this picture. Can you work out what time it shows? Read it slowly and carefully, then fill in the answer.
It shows 1:37
